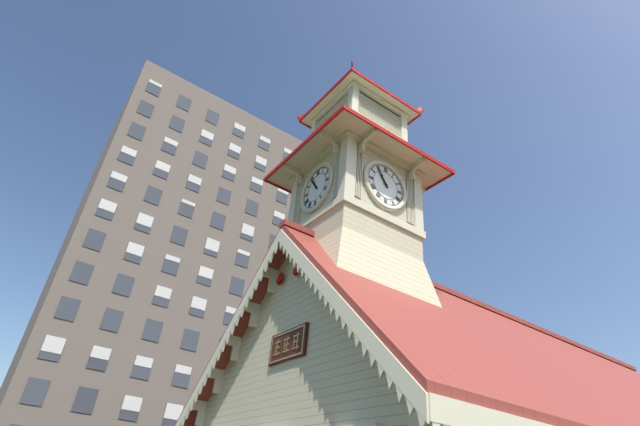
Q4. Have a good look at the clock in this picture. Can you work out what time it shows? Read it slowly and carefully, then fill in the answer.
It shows 10:54
